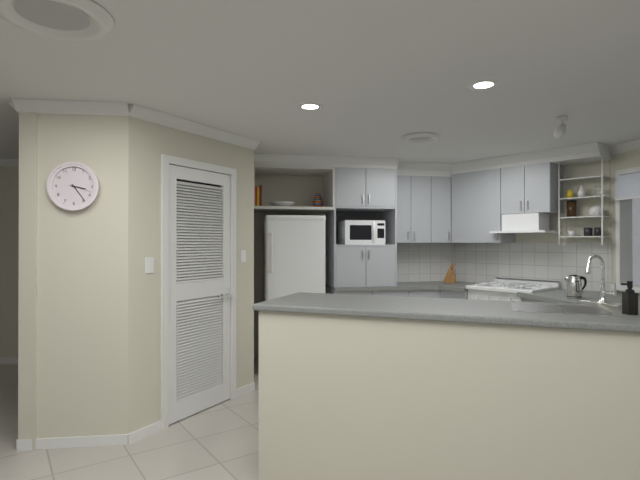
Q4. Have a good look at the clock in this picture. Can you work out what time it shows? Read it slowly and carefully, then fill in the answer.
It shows 3:24
